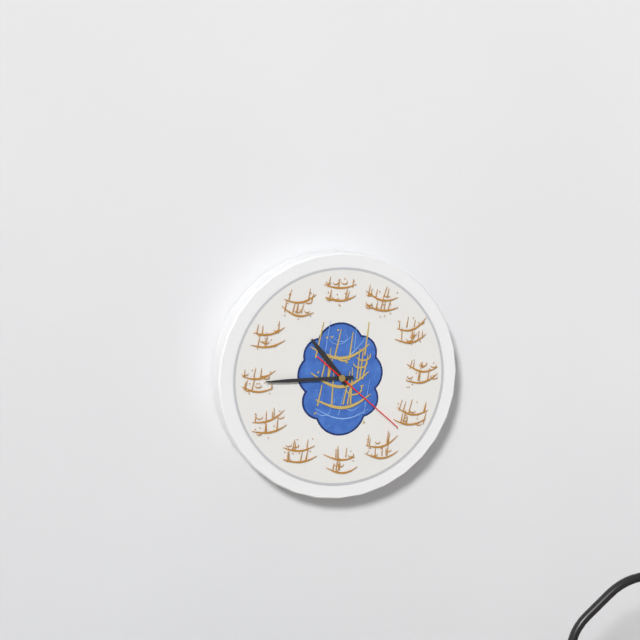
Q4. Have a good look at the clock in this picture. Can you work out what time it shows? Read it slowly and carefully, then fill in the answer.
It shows 10:45:22
